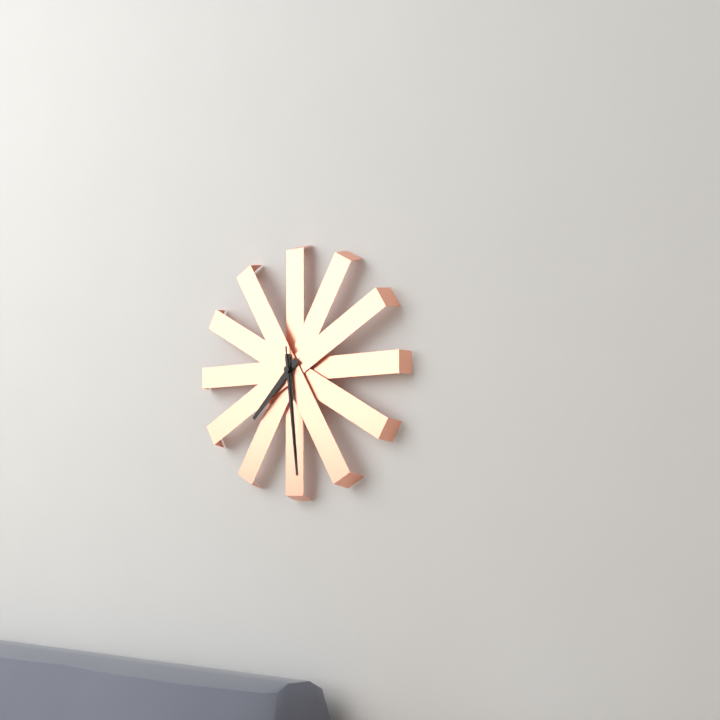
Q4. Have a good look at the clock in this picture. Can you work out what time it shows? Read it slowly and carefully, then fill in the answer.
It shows 7:29:29
